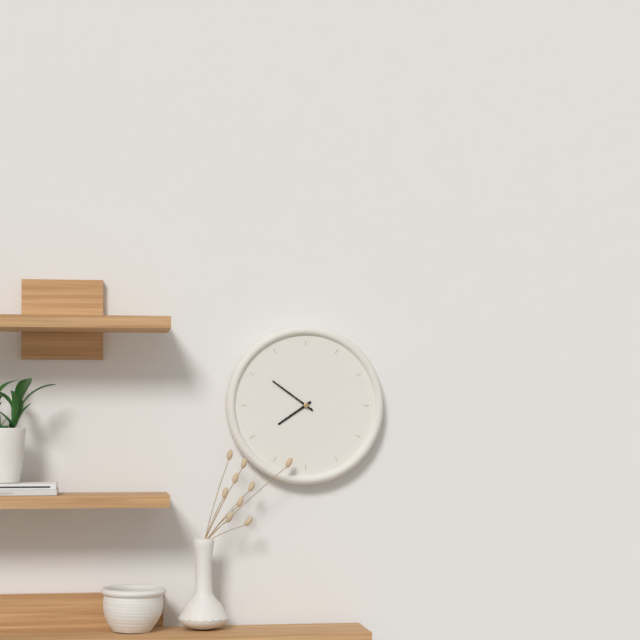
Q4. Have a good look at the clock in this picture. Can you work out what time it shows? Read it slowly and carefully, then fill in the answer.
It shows 7:51
